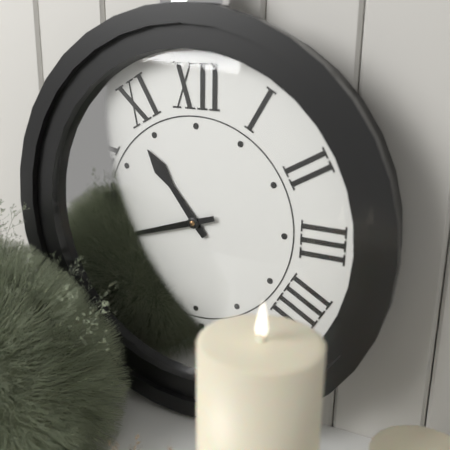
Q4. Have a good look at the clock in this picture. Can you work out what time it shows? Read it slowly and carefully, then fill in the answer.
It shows 10:42
